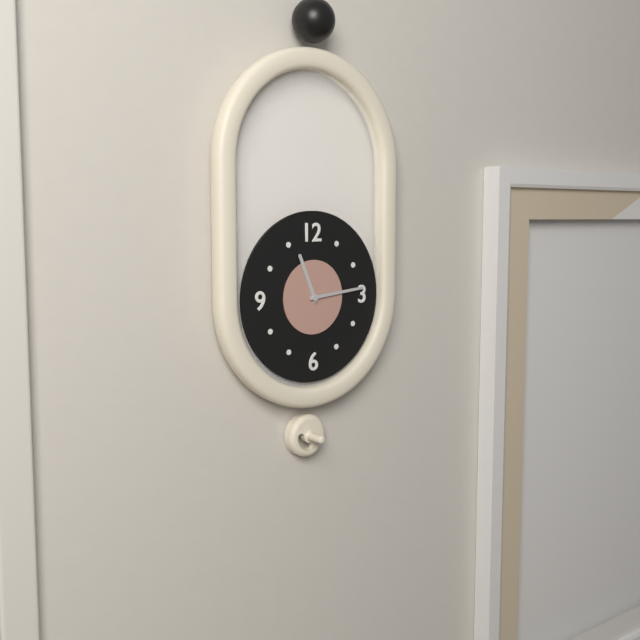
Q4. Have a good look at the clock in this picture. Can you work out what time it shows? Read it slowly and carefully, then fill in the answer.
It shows 11:14
